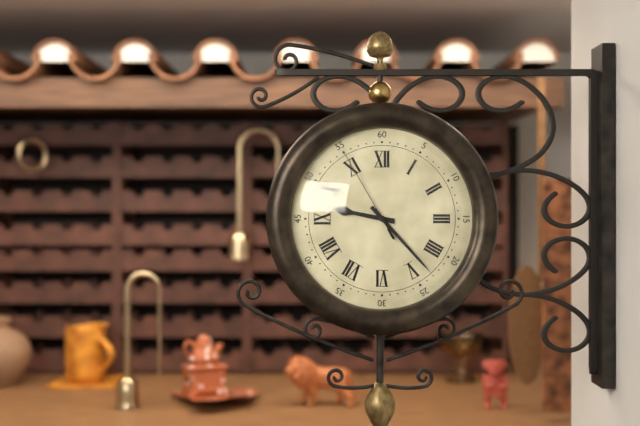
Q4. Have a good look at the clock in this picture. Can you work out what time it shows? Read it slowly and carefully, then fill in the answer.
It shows 9:23:55
